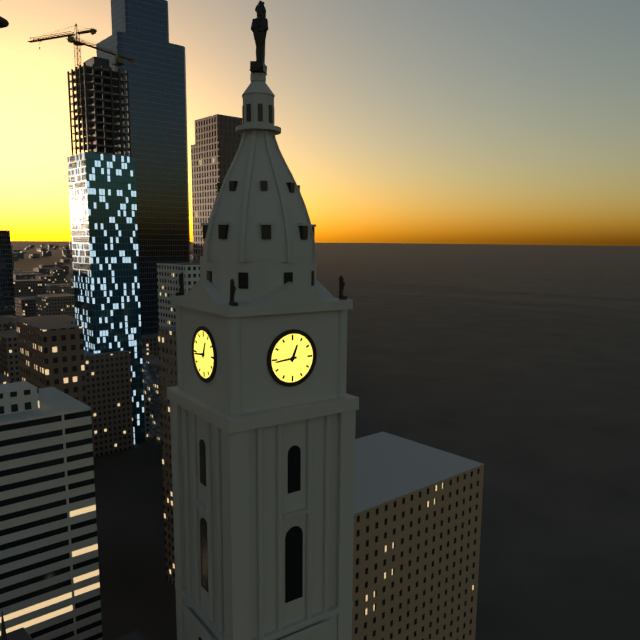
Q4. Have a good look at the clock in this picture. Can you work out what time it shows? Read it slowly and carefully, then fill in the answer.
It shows 12:44
